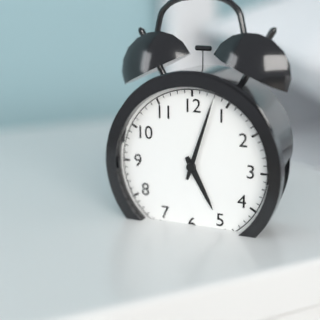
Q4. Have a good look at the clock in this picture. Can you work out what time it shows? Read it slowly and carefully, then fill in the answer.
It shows 5:03
